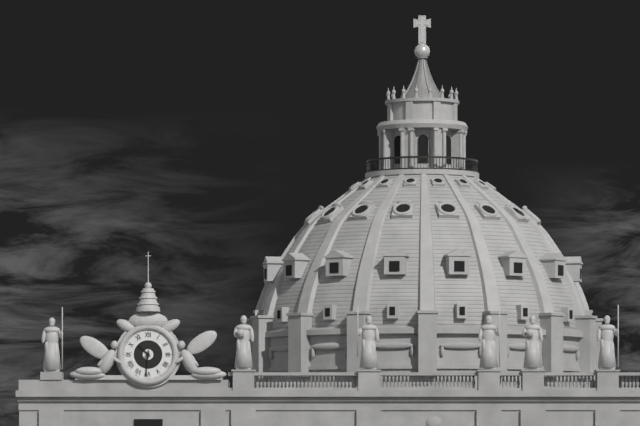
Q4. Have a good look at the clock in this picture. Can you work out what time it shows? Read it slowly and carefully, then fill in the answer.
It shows 10:31
